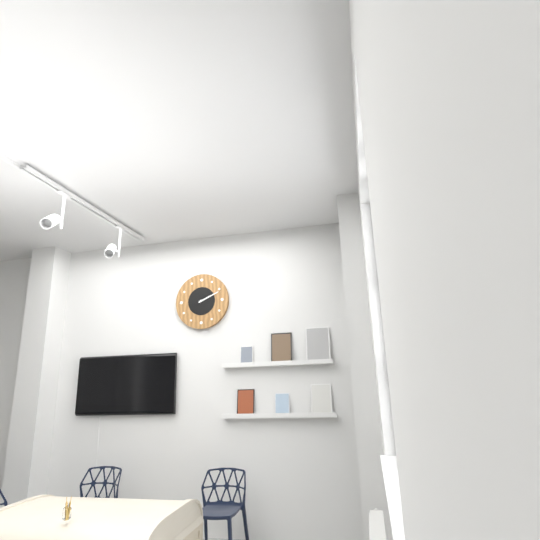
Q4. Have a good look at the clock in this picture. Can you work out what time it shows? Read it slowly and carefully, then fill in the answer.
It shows 2:11
